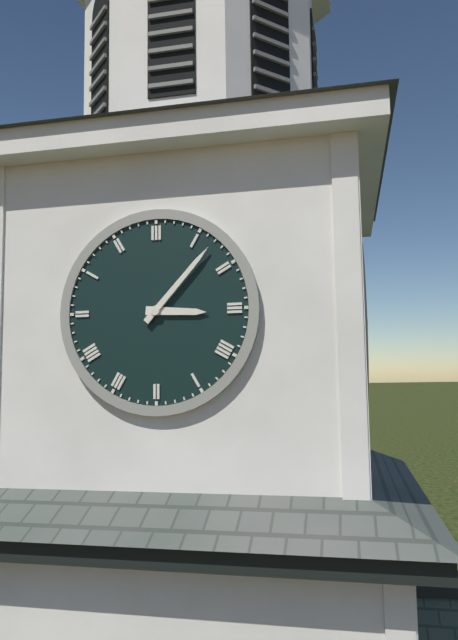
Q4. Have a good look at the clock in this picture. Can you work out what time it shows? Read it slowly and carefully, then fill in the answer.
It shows 3:07
